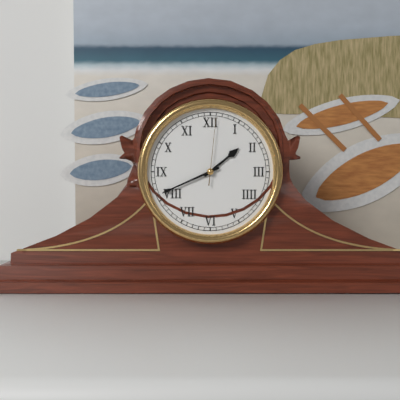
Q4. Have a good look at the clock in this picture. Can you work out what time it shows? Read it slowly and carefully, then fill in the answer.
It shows 1:41:01
